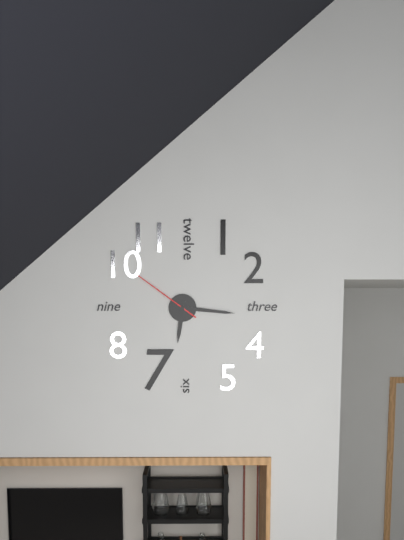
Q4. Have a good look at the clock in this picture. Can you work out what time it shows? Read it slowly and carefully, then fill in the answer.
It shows 6:16:51
